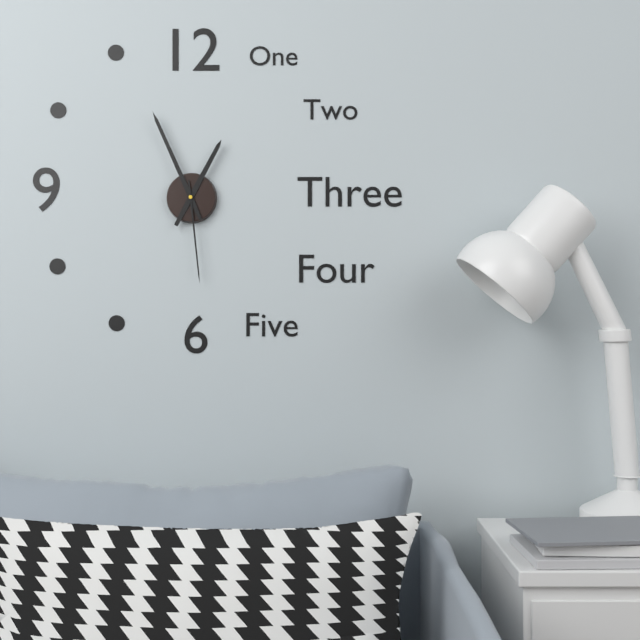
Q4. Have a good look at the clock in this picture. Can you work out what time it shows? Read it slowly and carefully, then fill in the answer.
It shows 12:56:29
